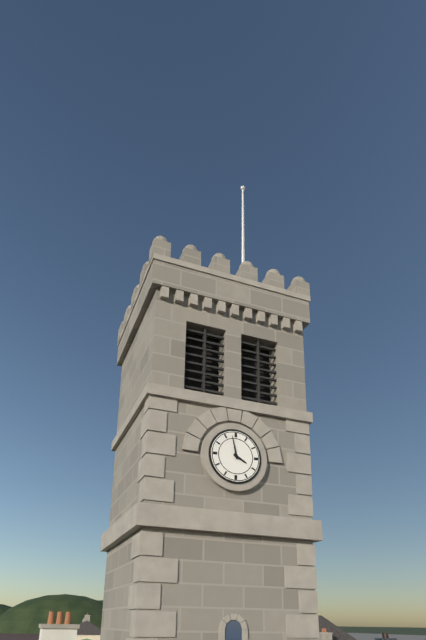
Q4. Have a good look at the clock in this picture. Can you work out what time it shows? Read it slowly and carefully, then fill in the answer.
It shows 3:58
